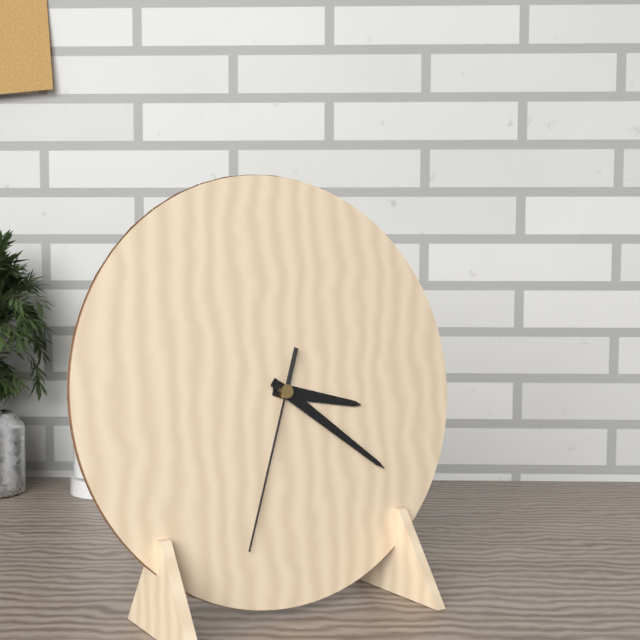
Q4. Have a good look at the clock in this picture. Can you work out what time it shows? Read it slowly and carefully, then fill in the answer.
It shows 3:21:33
